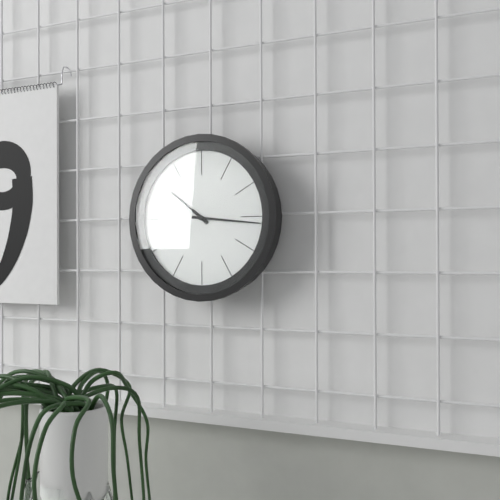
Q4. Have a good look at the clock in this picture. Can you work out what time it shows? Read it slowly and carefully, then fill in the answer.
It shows 10:16
